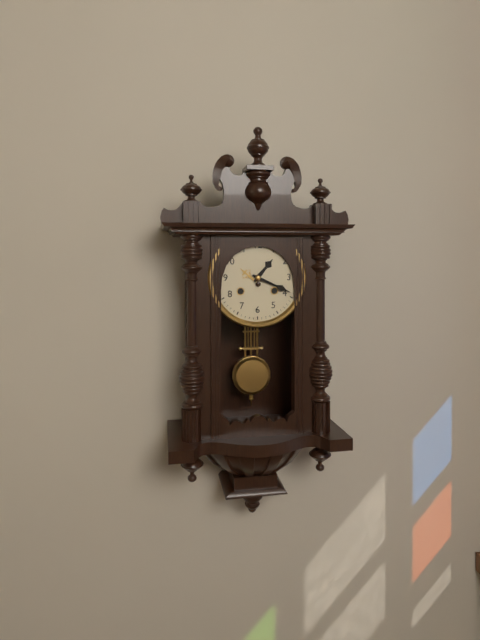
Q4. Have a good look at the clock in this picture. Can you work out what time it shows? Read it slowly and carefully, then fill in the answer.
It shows 1:19
